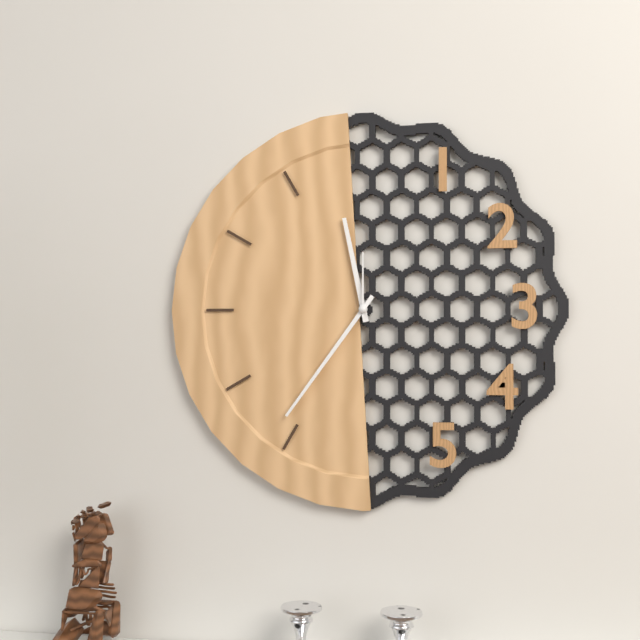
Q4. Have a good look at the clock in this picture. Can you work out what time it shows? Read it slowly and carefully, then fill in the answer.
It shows 11:36:00
